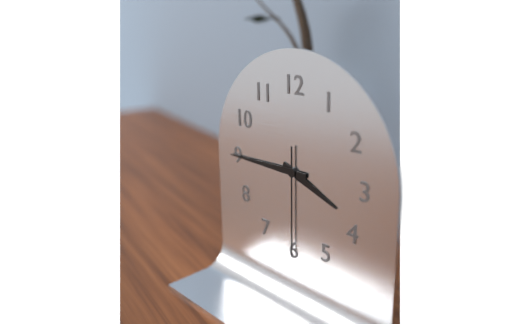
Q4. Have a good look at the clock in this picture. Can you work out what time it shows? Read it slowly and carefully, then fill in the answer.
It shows 3:45:30
